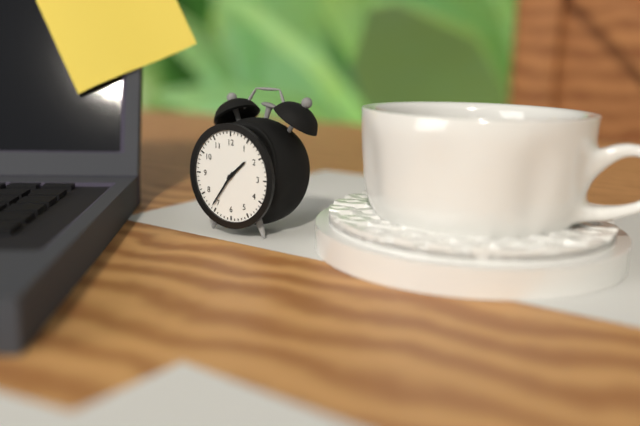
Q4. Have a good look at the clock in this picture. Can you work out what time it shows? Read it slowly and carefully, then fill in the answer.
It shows 1:36
